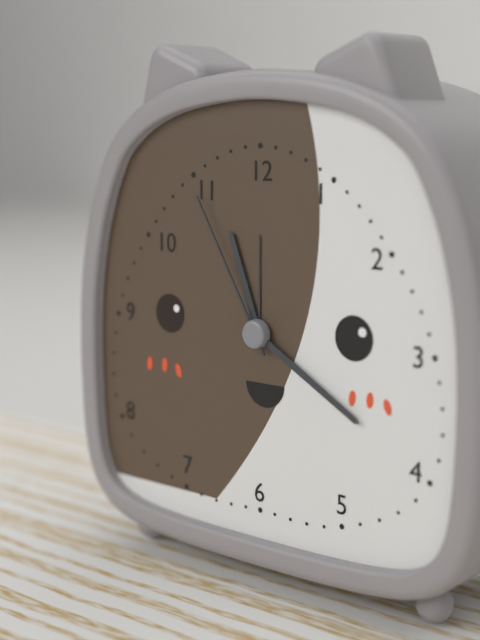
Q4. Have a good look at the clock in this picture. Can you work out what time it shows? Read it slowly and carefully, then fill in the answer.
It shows 11:20:55
